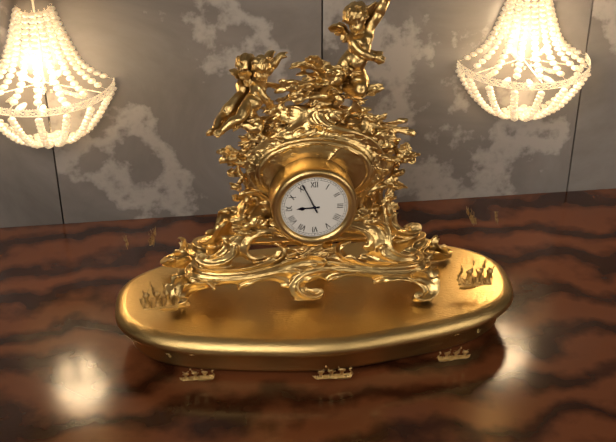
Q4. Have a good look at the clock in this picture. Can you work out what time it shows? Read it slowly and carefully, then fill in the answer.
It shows 8:56
